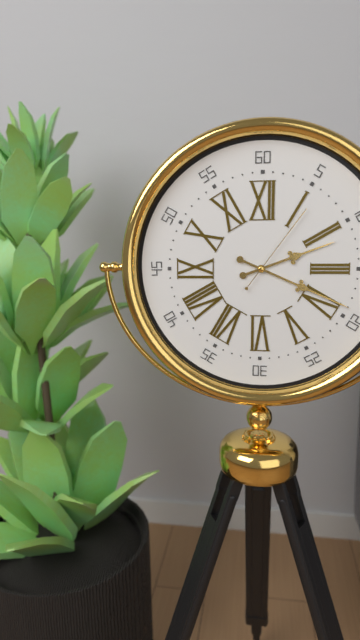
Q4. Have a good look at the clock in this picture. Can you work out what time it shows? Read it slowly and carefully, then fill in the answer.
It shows 2:19:06
